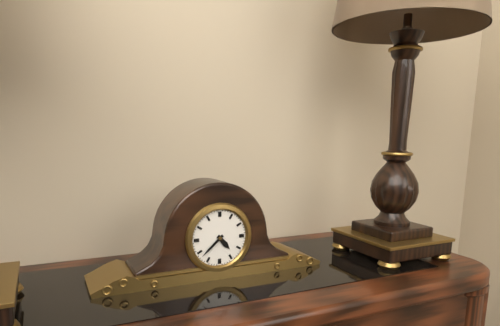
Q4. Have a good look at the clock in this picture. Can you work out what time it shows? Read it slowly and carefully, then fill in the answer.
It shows 4:38
